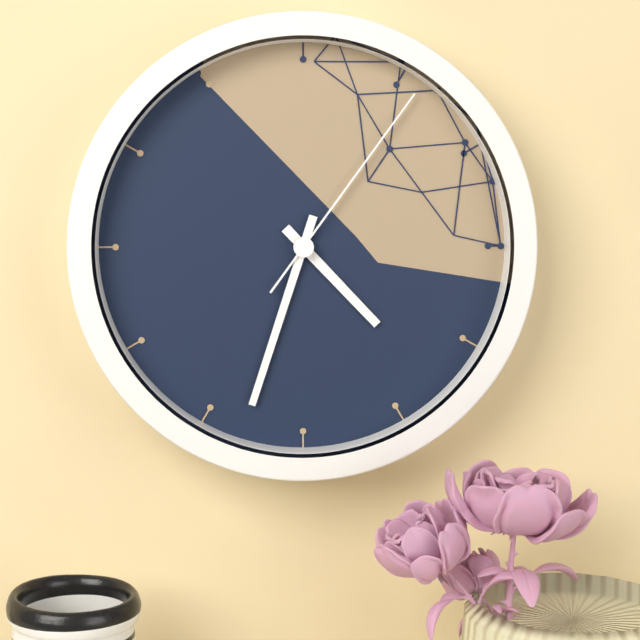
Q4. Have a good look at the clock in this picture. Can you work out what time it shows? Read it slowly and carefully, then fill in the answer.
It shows 4:33:06
